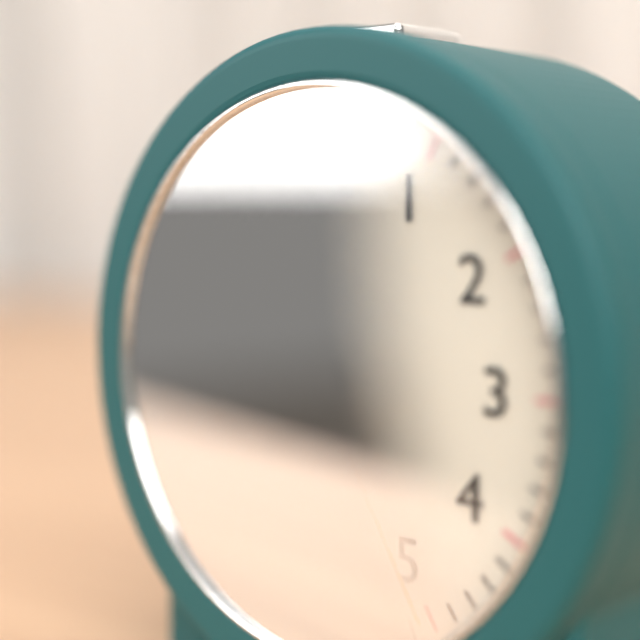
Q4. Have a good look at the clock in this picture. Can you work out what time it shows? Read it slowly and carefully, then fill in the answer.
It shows 10:56:25
